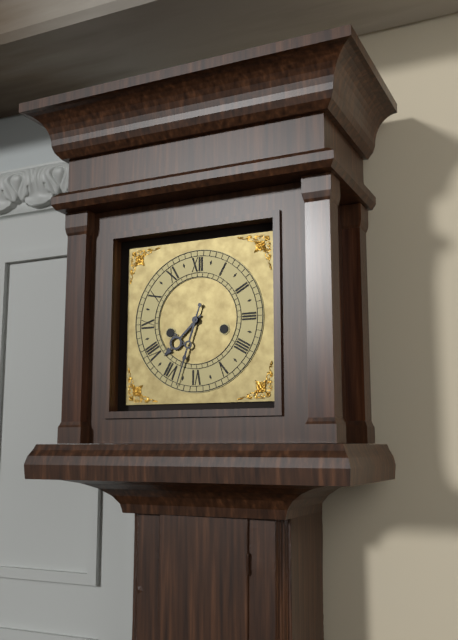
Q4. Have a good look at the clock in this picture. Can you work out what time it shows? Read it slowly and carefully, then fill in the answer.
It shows 7:33
